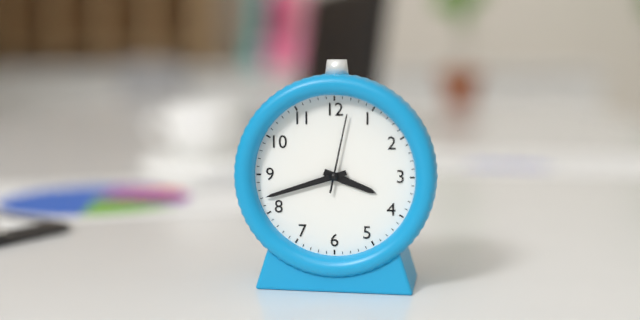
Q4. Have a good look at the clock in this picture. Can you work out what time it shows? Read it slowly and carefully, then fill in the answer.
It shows 3:42:02
